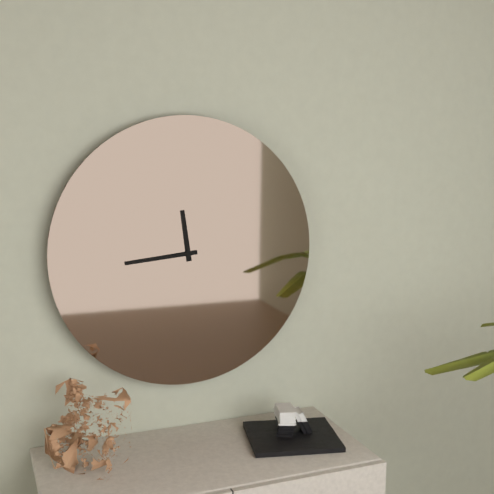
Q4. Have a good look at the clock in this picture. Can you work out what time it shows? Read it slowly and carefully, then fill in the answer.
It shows 11:44
